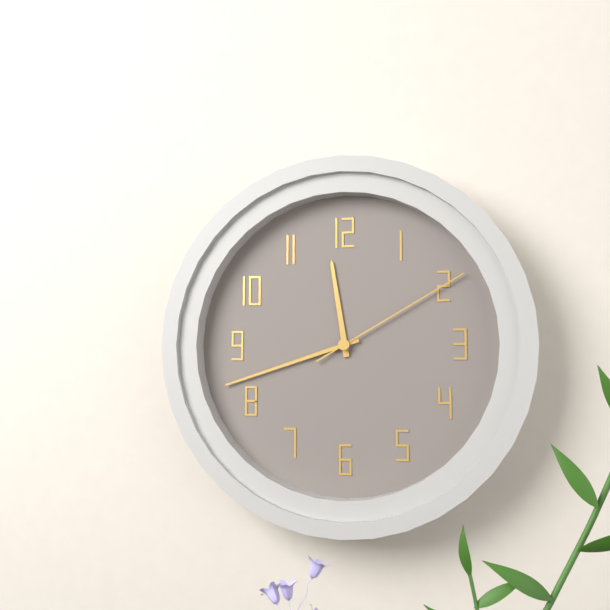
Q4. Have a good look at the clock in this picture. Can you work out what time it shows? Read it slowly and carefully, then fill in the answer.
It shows 11:42:10
